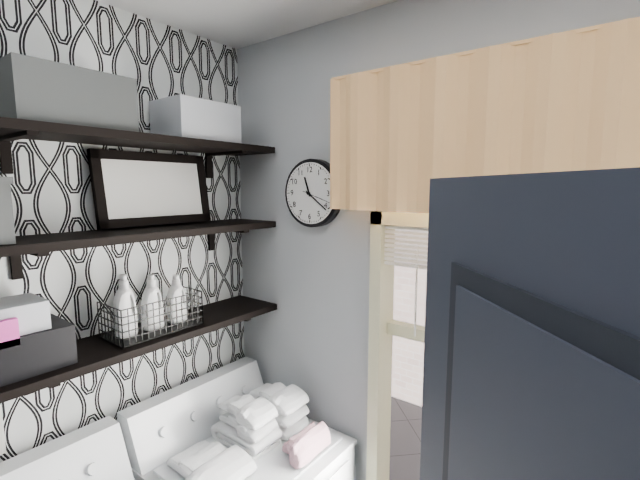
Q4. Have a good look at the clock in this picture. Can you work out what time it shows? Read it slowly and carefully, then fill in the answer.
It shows 11:21
